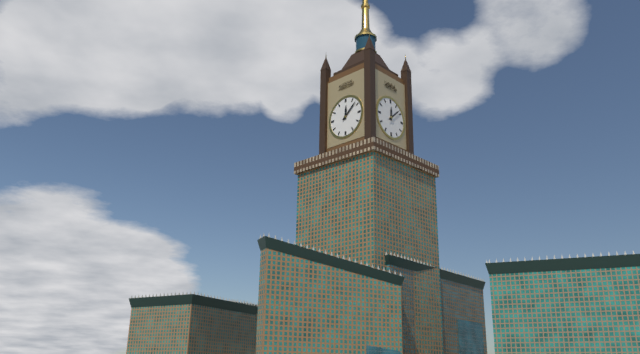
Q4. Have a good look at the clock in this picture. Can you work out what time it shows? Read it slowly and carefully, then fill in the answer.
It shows 12:08
